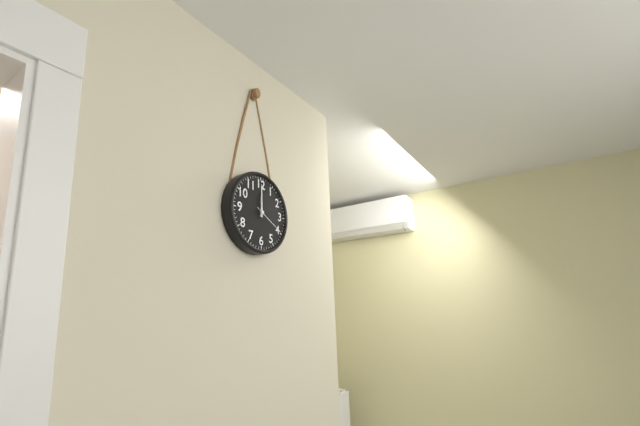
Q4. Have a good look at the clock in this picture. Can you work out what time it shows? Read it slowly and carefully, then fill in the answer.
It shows 12:00
